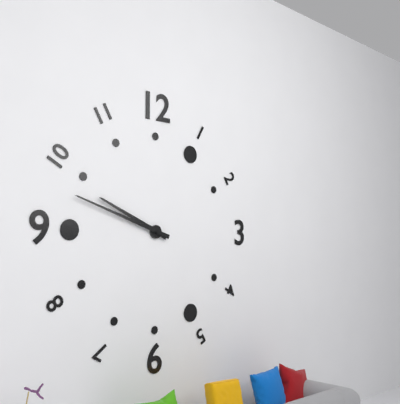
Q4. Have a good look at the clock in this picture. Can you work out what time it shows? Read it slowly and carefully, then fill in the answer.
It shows 9:48
